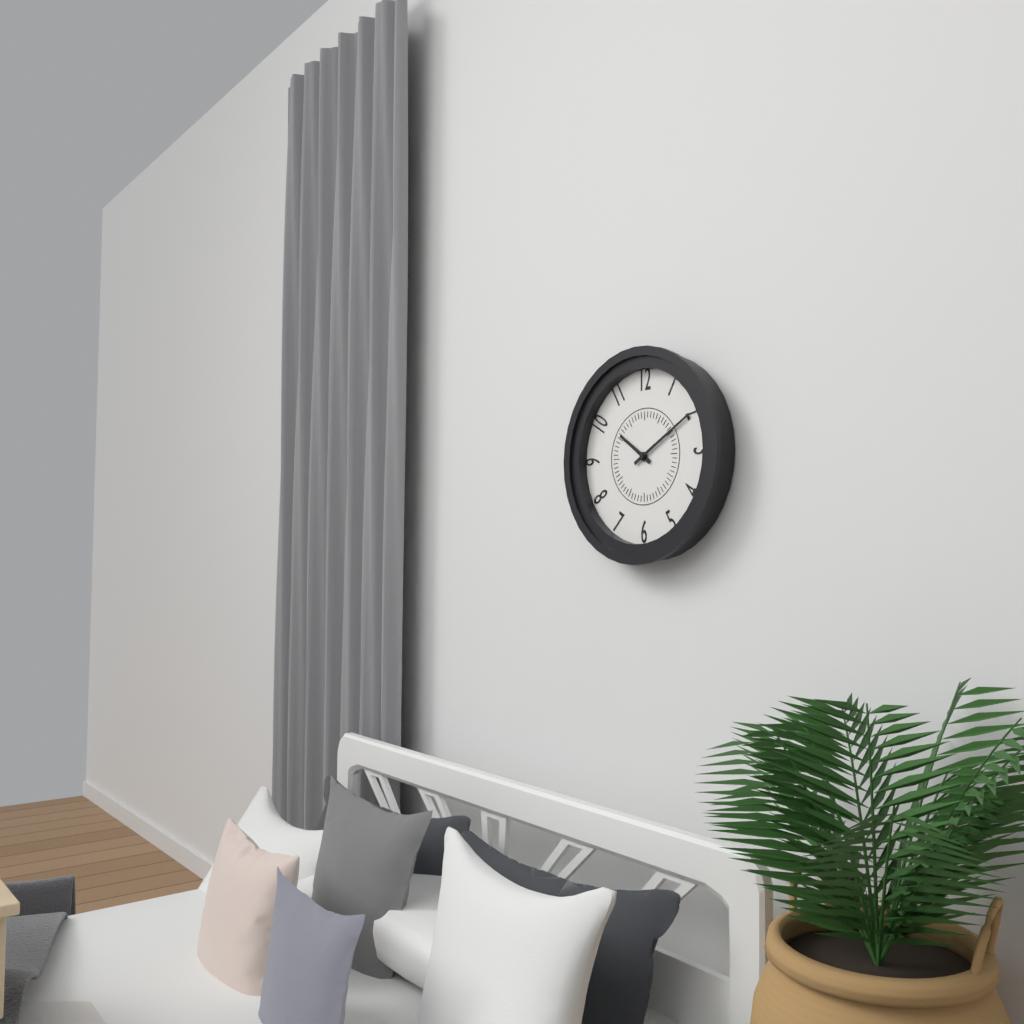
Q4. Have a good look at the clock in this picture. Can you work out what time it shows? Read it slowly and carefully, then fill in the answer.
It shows 10:10
